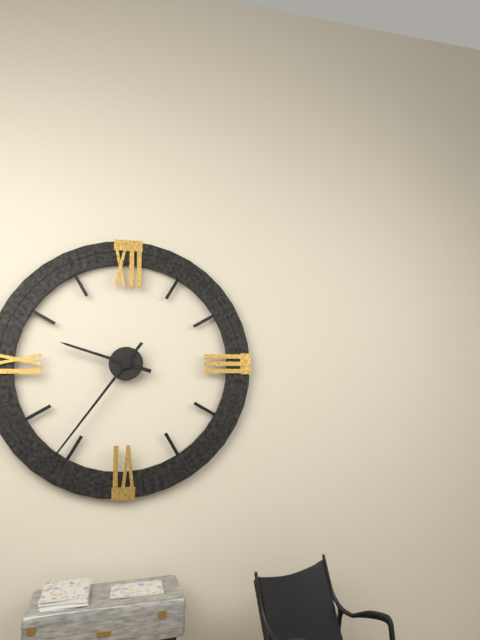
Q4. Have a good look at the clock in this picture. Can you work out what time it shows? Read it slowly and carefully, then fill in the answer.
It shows 9:36
